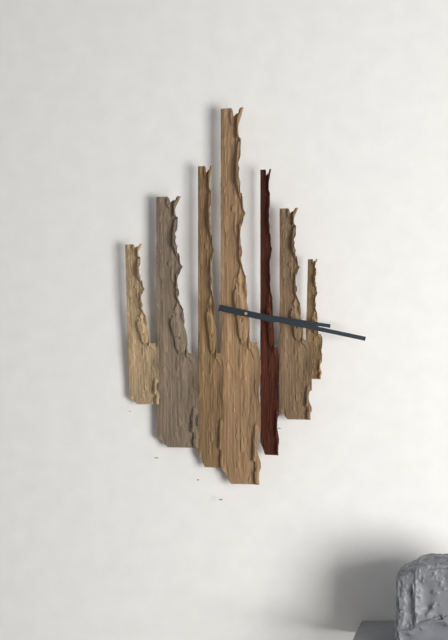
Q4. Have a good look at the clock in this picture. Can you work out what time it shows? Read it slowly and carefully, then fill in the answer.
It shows 3:17
